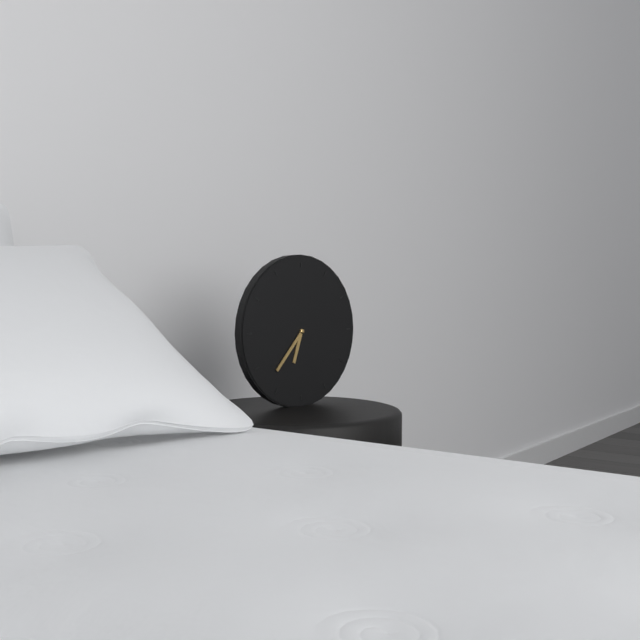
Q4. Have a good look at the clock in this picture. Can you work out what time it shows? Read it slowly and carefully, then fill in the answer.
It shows 6:37
